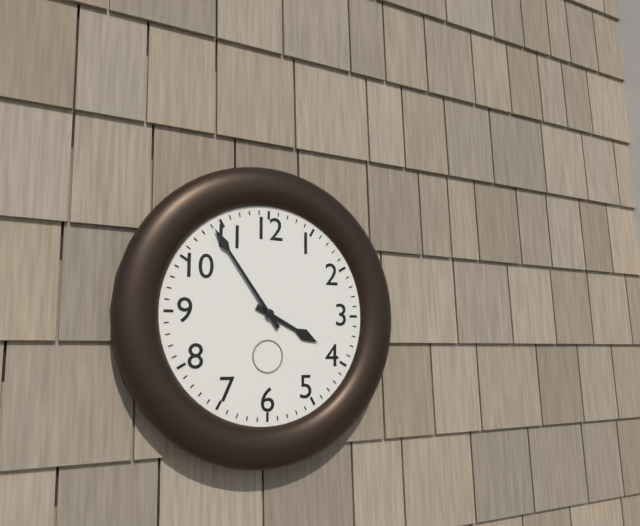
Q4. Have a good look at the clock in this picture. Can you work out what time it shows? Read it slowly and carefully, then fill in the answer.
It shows 3:54
